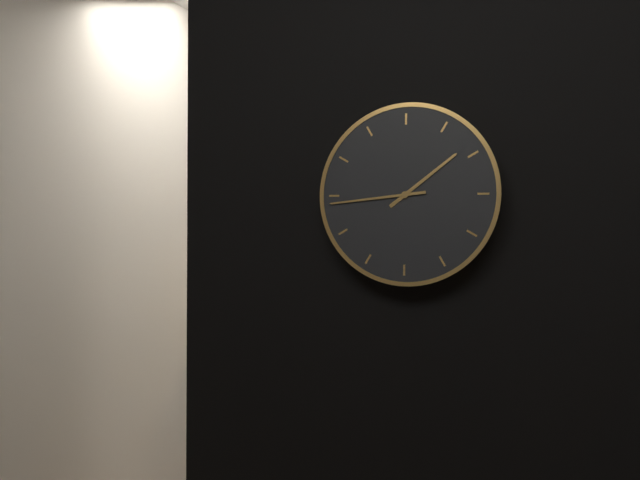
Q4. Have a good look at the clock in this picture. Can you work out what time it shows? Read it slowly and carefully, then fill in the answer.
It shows 1:44
